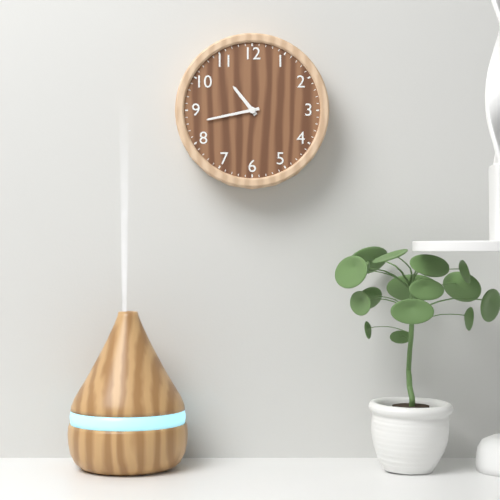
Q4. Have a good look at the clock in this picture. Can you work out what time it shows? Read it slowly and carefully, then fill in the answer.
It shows 10:43
